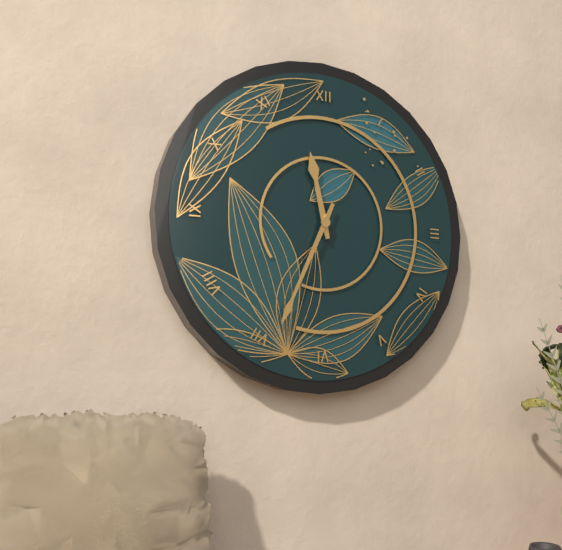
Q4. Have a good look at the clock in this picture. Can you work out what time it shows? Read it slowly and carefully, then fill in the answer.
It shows 11:34
